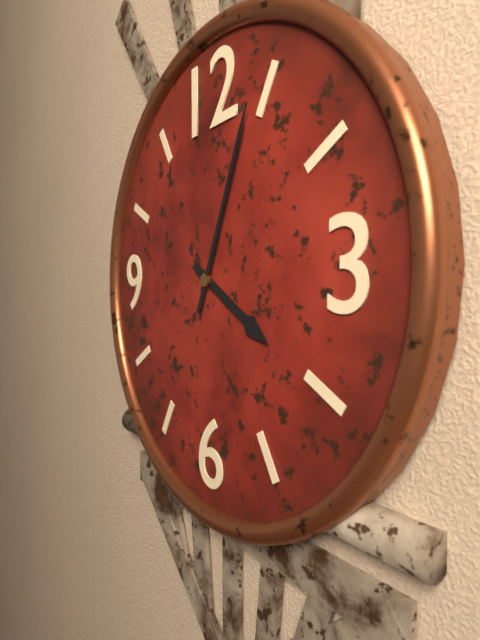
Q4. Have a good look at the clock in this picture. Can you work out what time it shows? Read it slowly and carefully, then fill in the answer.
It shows 4:04
